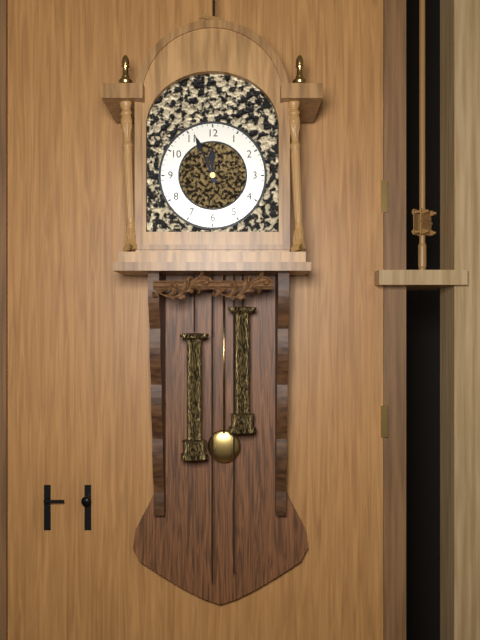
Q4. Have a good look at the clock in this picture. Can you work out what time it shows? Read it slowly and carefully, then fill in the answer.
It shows 11:56
